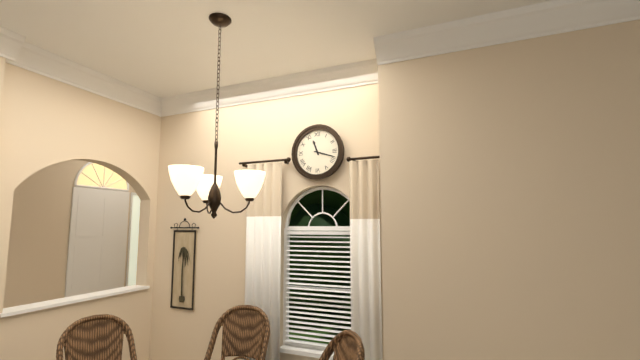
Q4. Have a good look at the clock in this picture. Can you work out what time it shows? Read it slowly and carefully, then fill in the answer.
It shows 11:18
